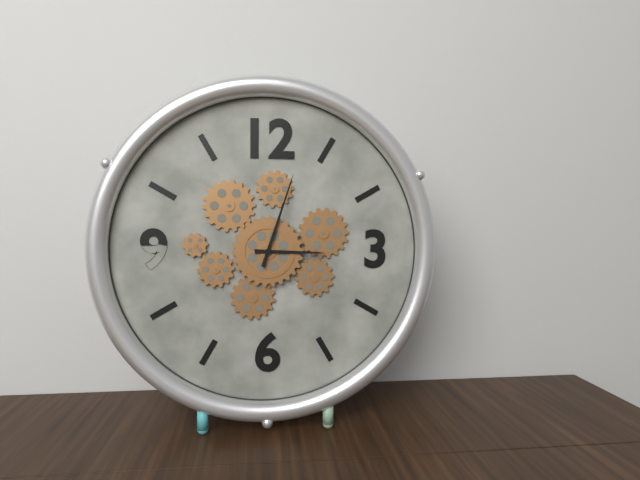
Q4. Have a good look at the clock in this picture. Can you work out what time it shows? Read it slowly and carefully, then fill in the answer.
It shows 3:03
